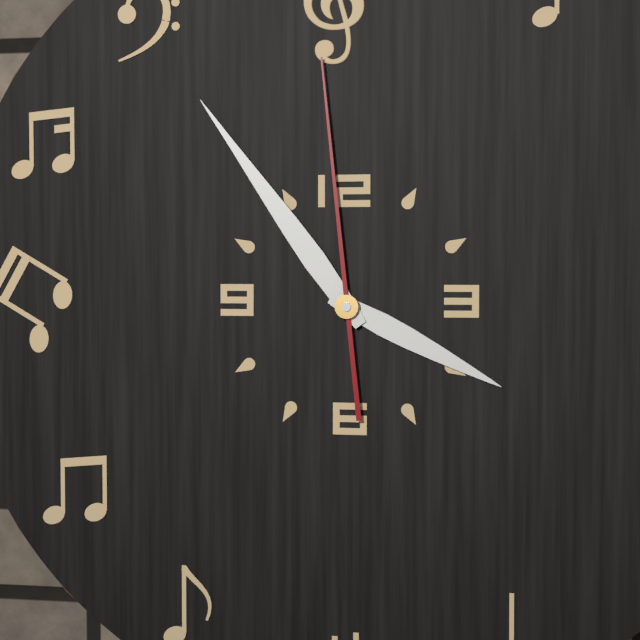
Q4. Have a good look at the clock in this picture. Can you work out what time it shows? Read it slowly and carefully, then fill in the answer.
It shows 3:54:59
